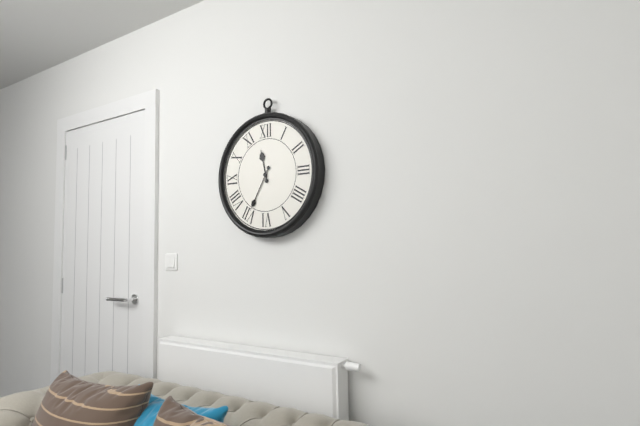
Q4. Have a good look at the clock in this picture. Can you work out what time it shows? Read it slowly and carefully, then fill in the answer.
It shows 11:35
